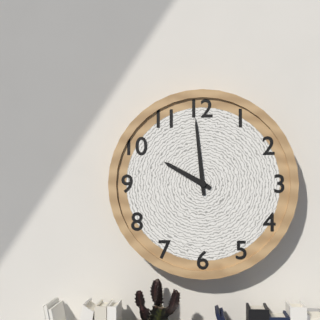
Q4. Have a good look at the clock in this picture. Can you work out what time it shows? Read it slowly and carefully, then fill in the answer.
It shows 9:59
